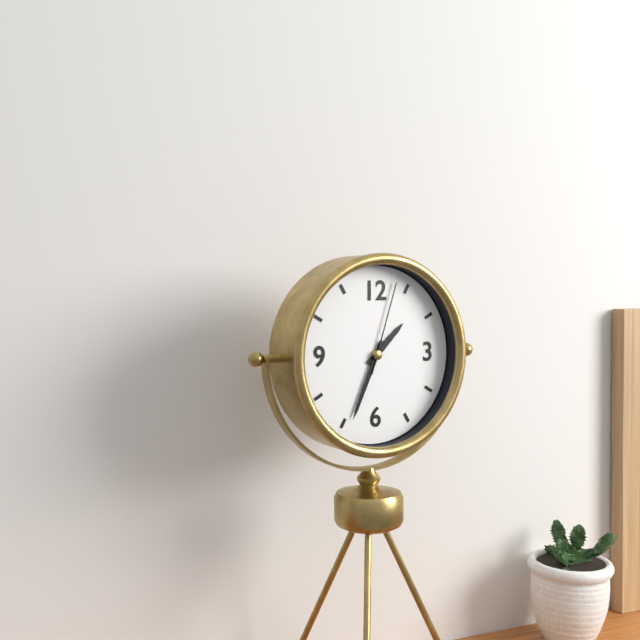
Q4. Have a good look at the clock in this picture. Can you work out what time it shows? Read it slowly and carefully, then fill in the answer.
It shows 1:34:03
